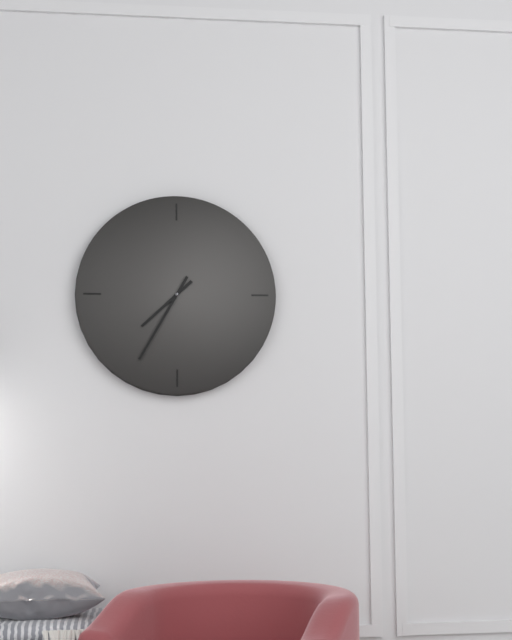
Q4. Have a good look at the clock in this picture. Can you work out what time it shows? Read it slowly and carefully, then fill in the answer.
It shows 7:35
